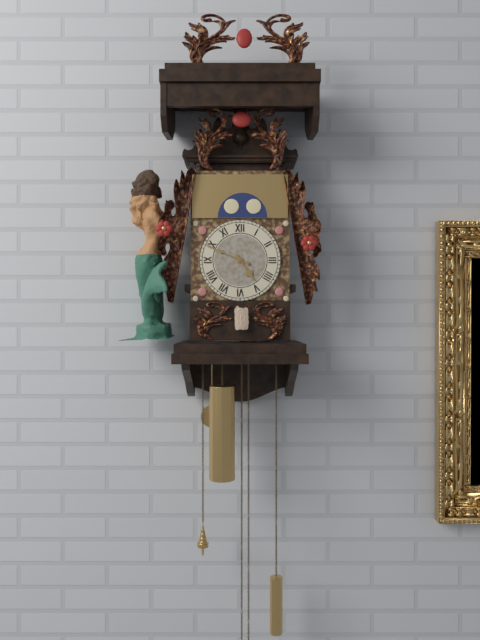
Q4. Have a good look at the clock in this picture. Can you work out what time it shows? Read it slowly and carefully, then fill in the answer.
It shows 4:49
